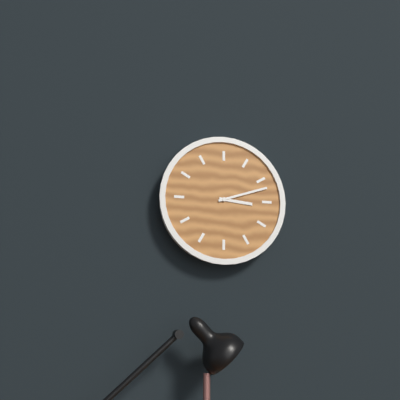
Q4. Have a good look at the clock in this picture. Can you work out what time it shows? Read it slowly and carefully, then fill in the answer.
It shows 3:12
